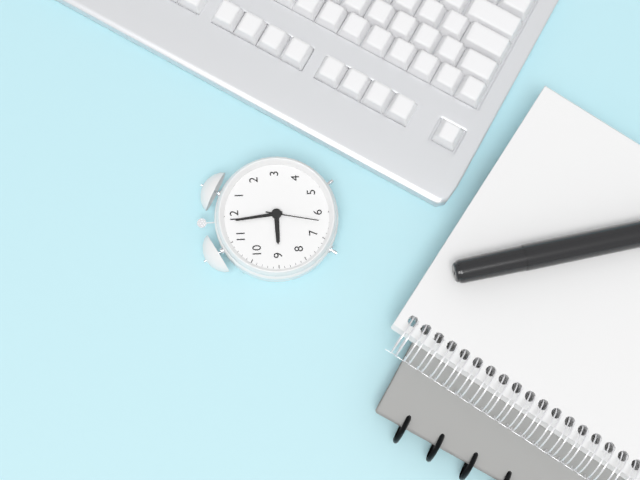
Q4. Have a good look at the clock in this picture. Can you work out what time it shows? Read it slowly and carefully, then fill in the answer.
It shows 8:59:32
